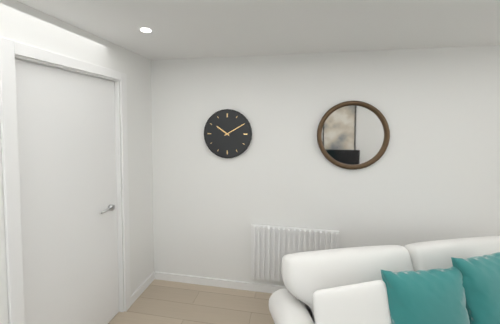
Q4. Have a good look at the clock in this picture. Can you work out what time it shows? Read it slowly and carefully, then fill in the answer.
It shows 10:10
